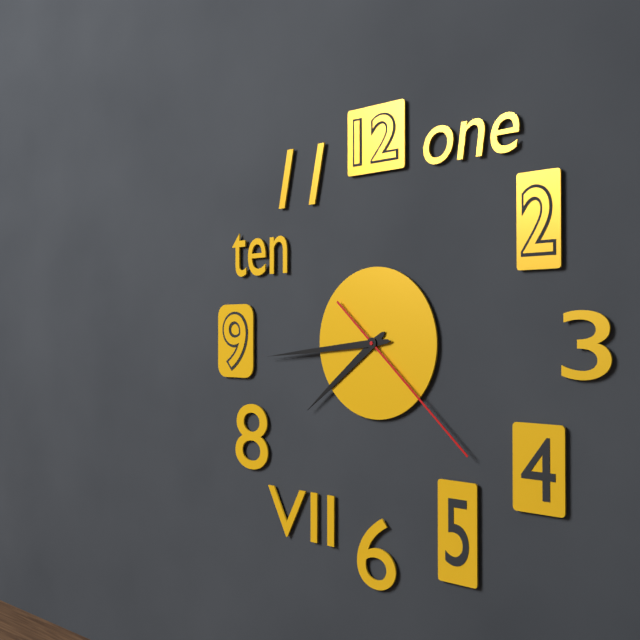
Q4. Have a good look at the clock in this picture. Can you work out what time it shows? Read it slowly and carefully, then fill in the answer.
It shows 7:44:22
